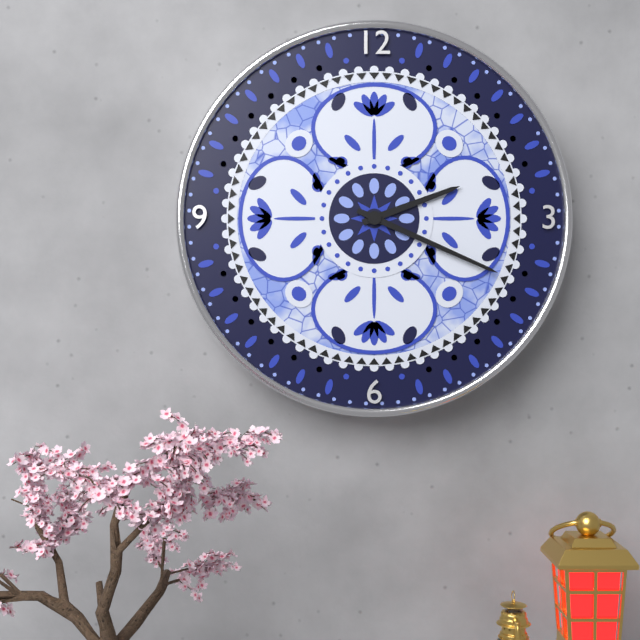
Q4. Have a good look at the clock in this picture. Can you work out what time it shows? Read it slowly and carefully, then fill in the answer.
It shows 2:19
